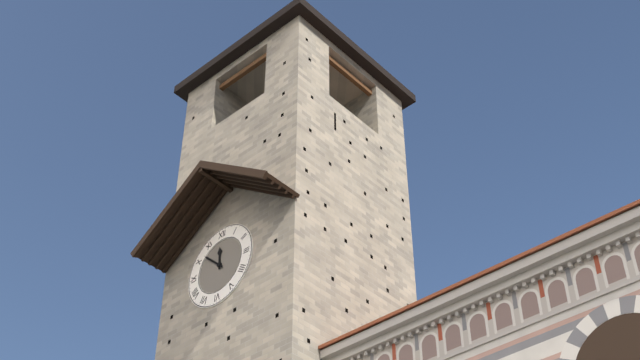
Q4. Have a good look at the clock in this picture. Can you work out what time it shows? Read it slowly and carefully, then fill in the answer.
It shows 11:52
